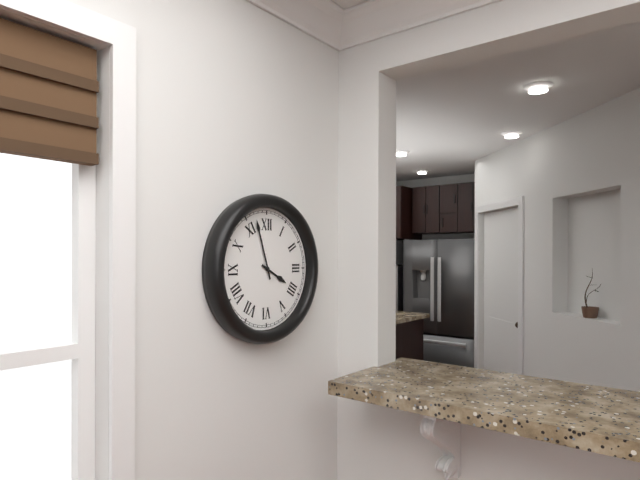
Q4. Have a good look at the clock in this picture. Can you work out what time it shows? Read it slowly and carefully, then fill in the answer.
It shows 3:57
